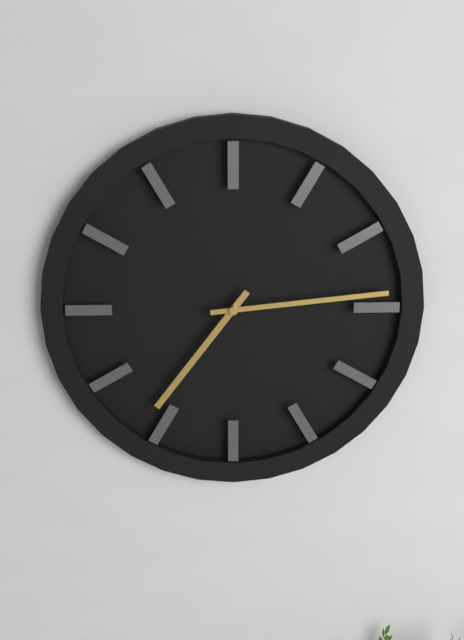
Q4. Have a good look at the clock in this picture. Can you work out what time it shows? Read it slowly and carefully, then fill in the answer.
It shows 7:14
